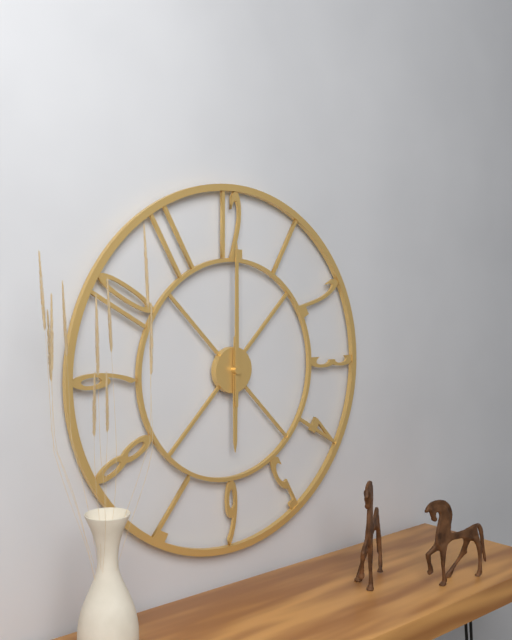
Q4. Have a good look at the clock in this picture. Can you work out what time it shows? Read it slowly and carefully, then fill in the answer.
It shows 6:00
